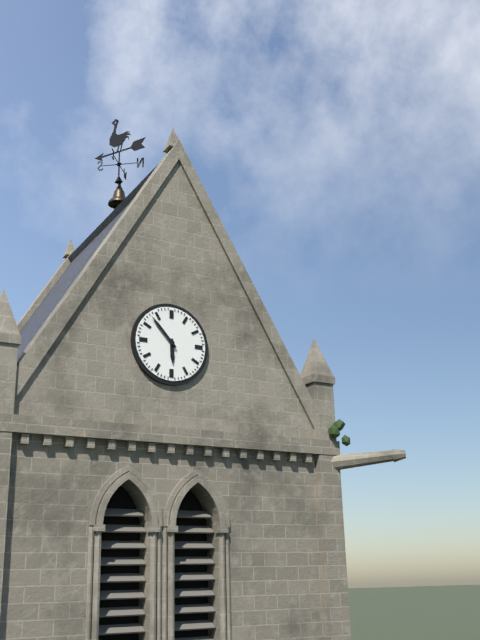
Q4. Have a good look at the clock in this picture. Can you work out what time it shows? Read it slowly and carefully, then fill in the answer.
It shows 5:53
